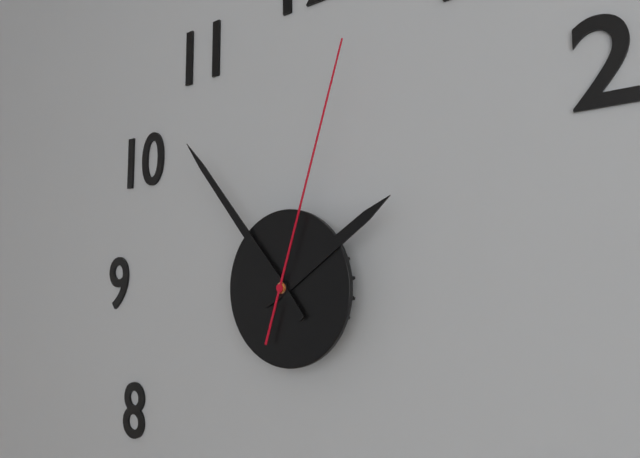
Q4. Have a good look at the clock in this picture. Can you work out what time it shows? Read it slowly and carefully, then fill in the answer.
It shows 1:53:03
